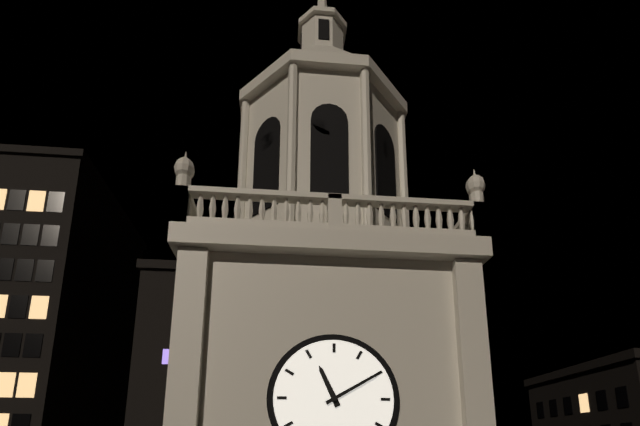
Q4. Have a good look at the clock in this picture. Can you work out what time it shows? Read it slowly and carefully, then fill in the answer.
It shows 11:10
